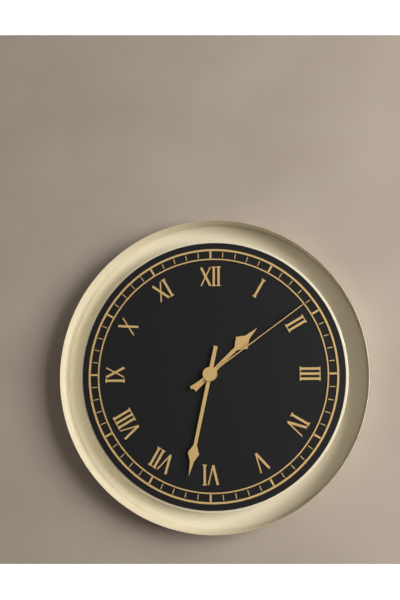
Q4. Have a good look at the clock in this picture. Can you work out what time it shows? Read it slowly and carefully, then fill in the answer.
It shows 1:32:09
